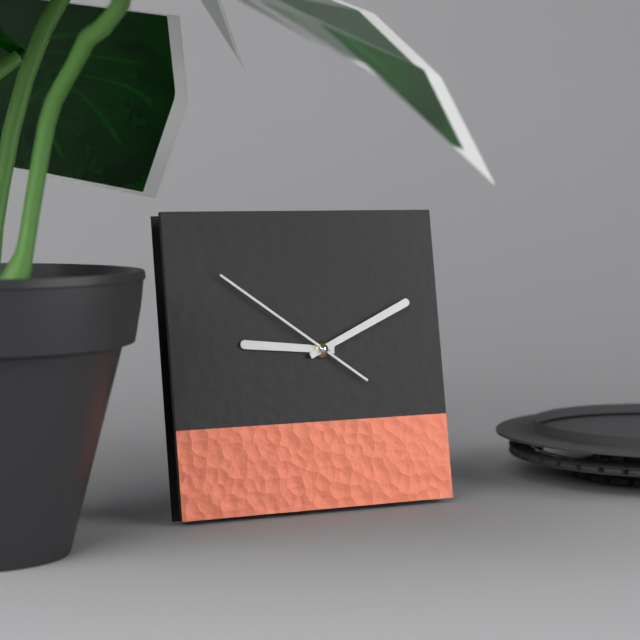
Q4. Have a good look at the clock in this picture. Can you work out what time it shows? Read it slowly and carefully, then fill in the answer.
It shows 9:11:51
